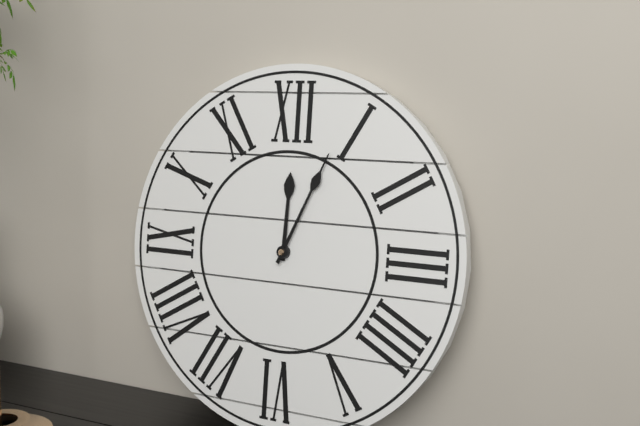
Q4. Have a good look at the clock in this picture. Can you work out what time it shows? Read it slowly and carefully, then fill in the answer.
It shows 12:04
